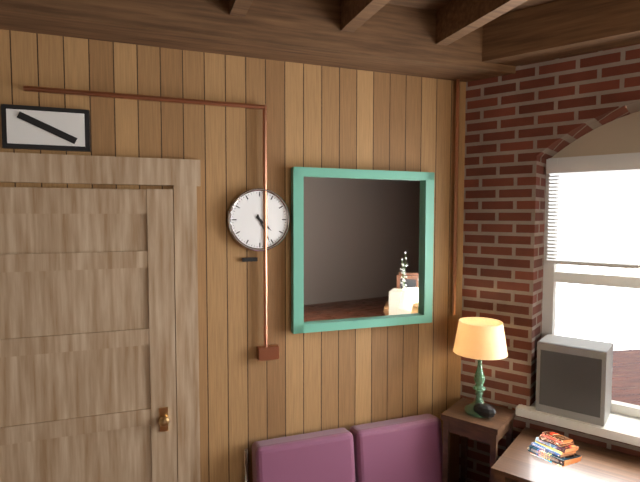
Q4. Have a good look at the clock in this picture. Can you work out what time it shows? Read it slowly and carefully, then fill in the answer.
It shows 4:26
